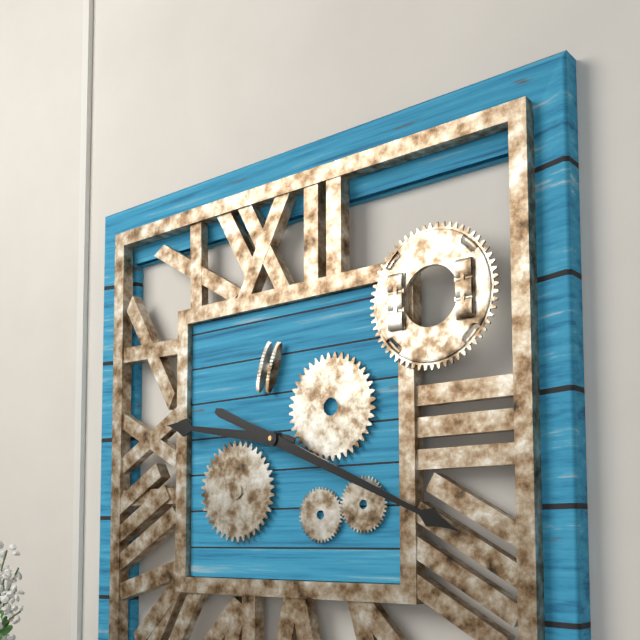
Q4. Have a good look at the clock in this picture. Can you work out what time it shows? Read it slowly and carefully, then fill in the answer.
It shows 9:19
